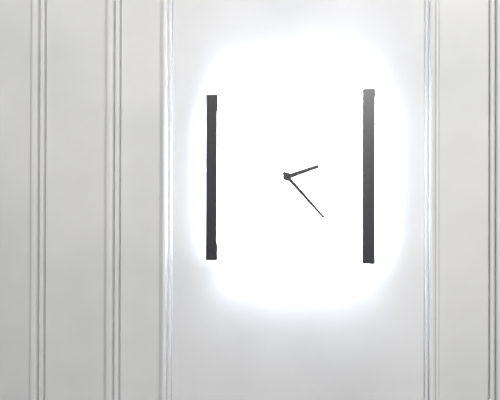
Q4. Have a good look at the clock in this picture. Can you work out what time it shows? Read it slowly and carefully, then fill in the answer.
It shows 2:23
